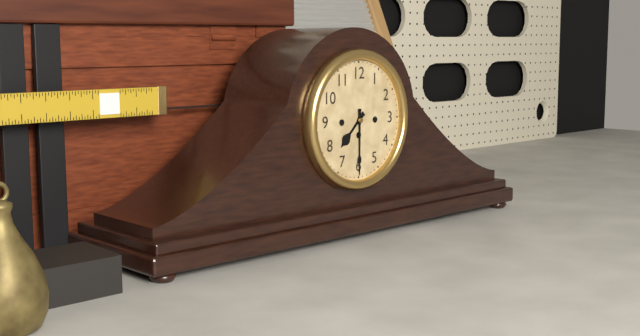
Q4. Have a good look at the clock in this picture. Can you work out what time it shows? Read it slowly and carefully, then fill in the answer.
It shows 7:30
